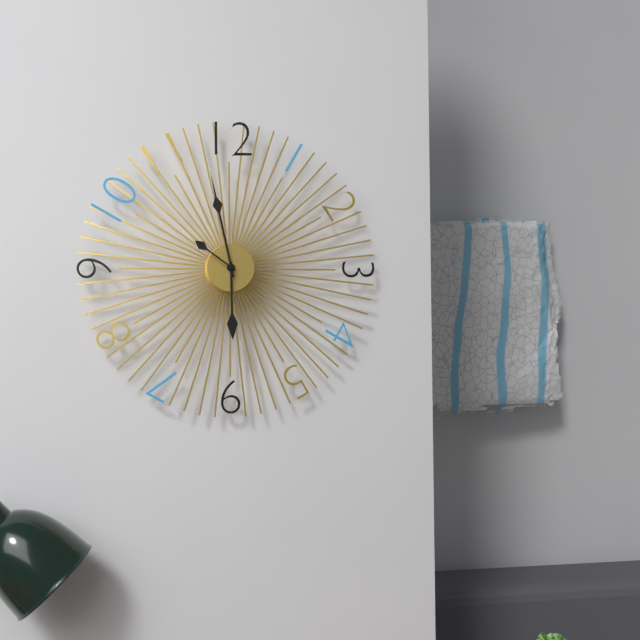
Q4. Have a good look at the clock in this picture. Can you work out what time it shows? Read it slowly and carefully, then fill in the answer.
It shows 5:58:51
